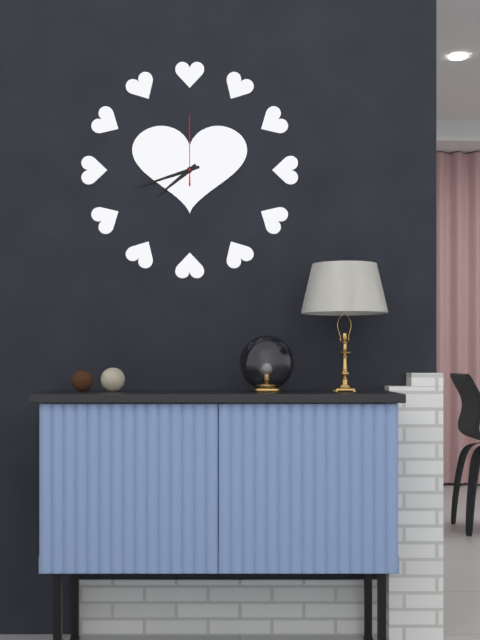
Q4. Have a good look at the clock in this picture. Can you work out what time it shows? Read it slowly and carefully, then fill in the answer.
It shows 7:42:00
